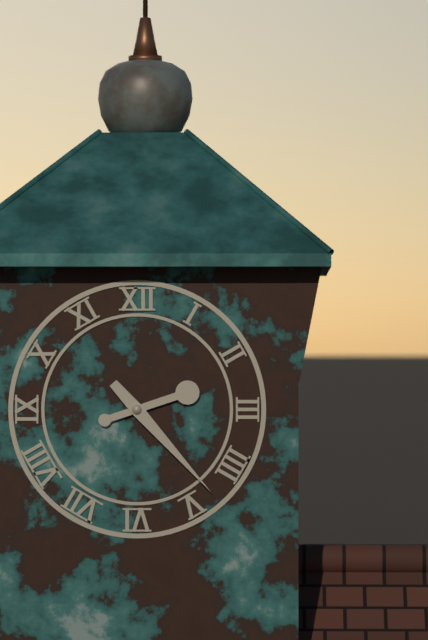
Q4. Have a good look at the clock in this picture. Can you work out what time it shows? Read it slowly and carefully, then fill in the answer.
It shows 2:23
